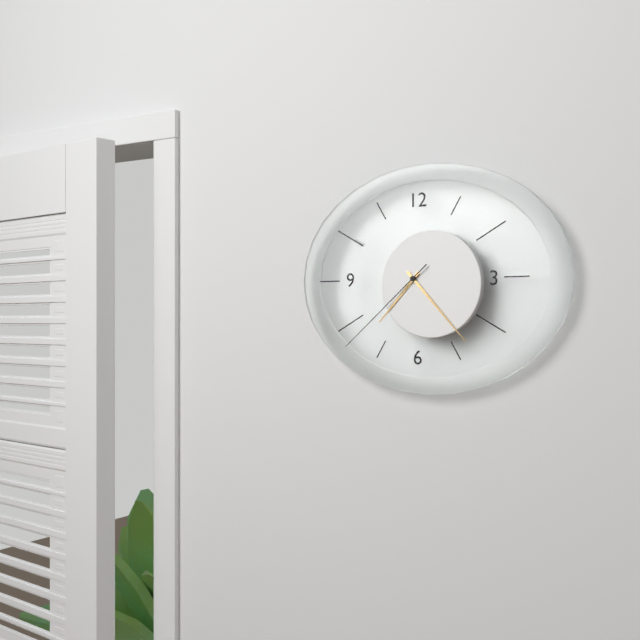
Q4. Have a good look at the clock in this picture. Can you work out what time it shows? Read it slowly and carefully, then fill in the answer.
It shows 7:23:38
